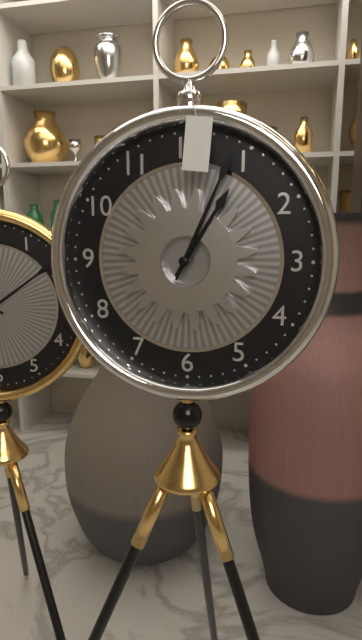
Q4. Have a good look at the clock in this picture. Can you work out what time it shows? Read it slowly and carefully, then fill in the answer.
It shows 1:04
